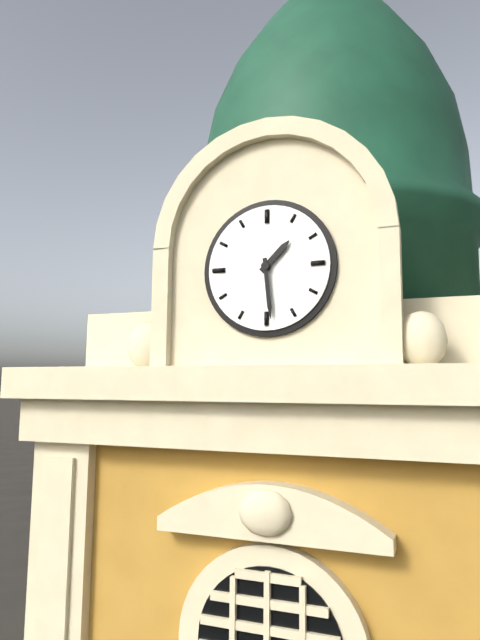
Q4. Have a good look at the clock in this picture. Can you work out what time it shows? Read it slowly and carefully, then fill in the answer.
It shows 1:29
